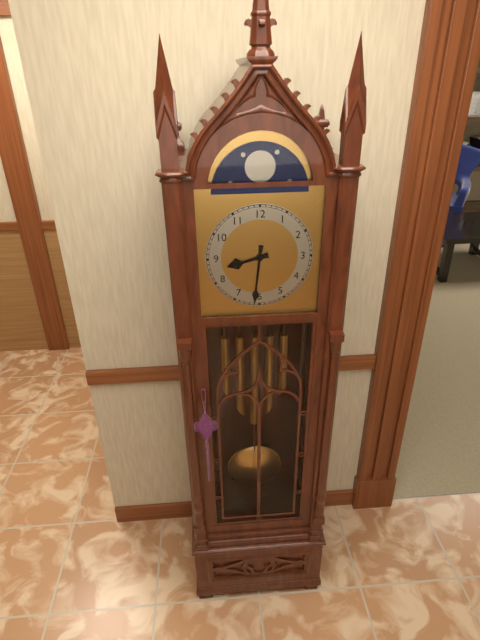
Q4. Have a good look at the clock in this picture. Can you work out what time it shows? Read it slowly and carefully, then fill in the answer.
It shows 8:31
